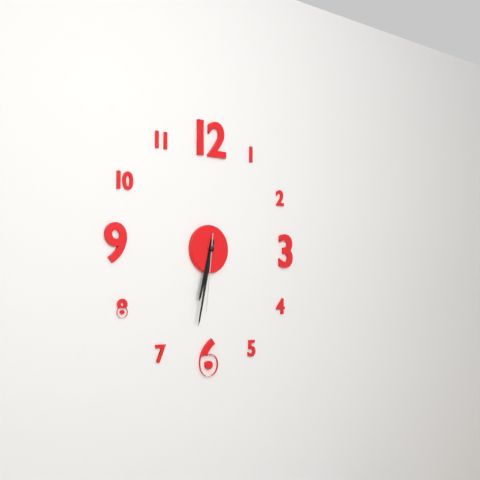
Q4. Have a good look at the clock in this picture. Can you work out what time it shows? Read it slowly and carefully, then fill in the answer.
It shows 6:32:31
